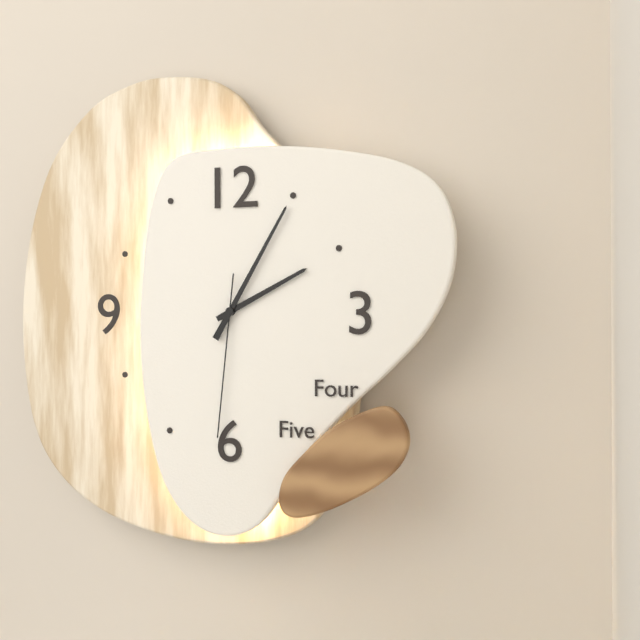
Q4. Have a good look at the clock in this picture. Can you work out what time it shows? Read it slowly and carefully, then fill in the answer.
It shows 2:05:31
